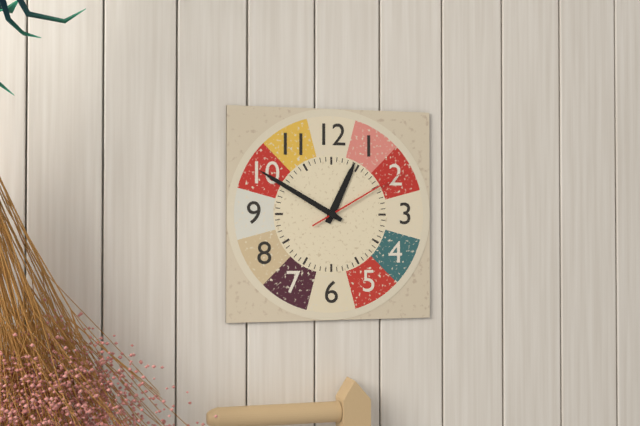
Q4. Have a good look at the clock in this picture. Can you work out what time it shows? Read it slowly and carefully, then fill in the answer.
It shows 12:50:10
